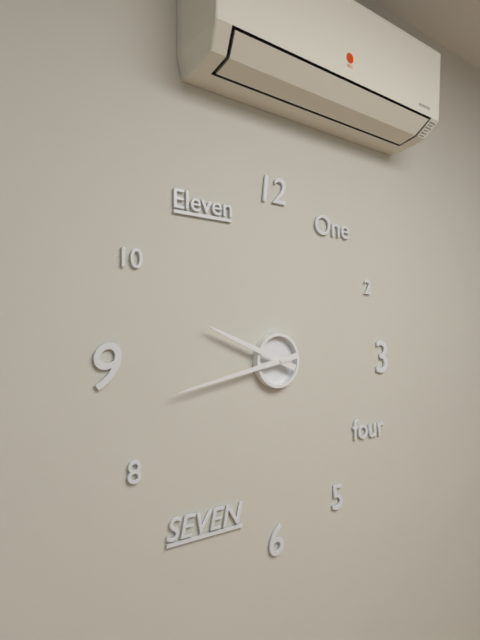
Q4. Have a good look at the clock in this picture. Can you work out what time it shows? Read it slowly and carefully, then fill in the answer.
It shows 9:43
